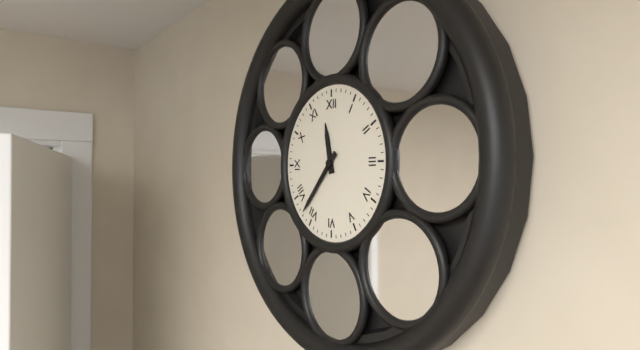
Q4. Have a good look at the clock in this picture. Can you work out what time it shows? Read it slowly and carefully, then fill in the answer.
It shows 11:37
